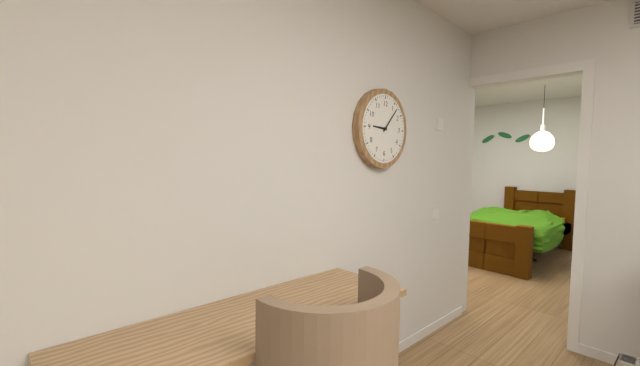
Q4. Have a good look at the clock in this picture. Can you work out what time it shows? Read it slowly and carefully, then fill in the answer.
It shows 9:07
